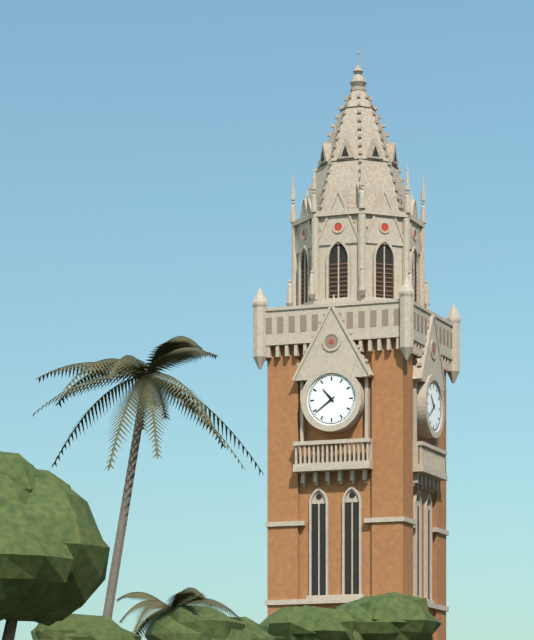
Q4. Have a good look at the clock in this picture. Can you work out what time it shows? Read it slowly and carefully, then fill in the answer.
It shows 10:39
